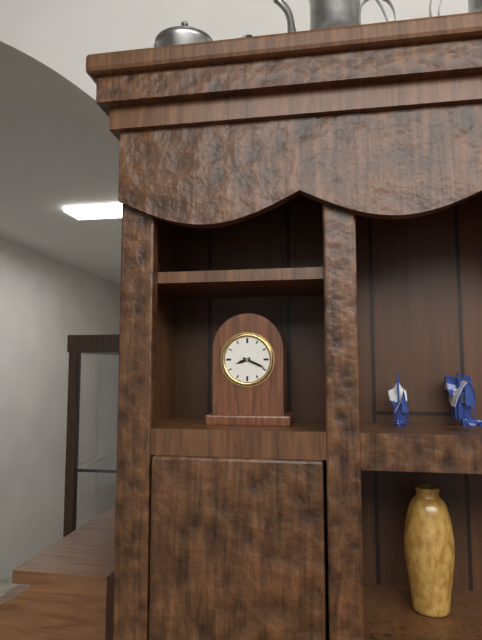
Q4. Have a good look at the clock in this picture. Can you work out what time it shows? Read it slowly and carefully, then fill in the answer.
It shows 8:19
